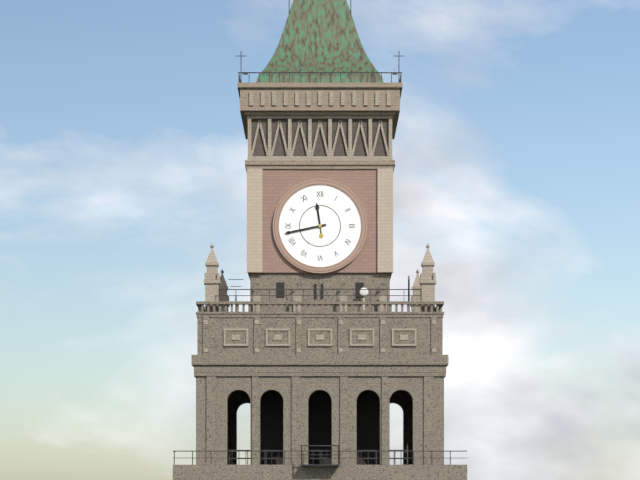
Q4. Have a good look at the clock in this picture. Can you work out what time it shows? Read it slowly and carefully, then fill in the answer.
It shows 11:43
